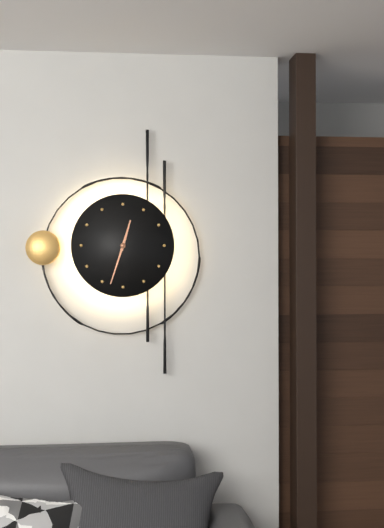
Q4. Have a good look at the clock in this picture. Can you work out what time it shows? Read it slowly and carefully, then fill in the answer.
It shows 12:33
